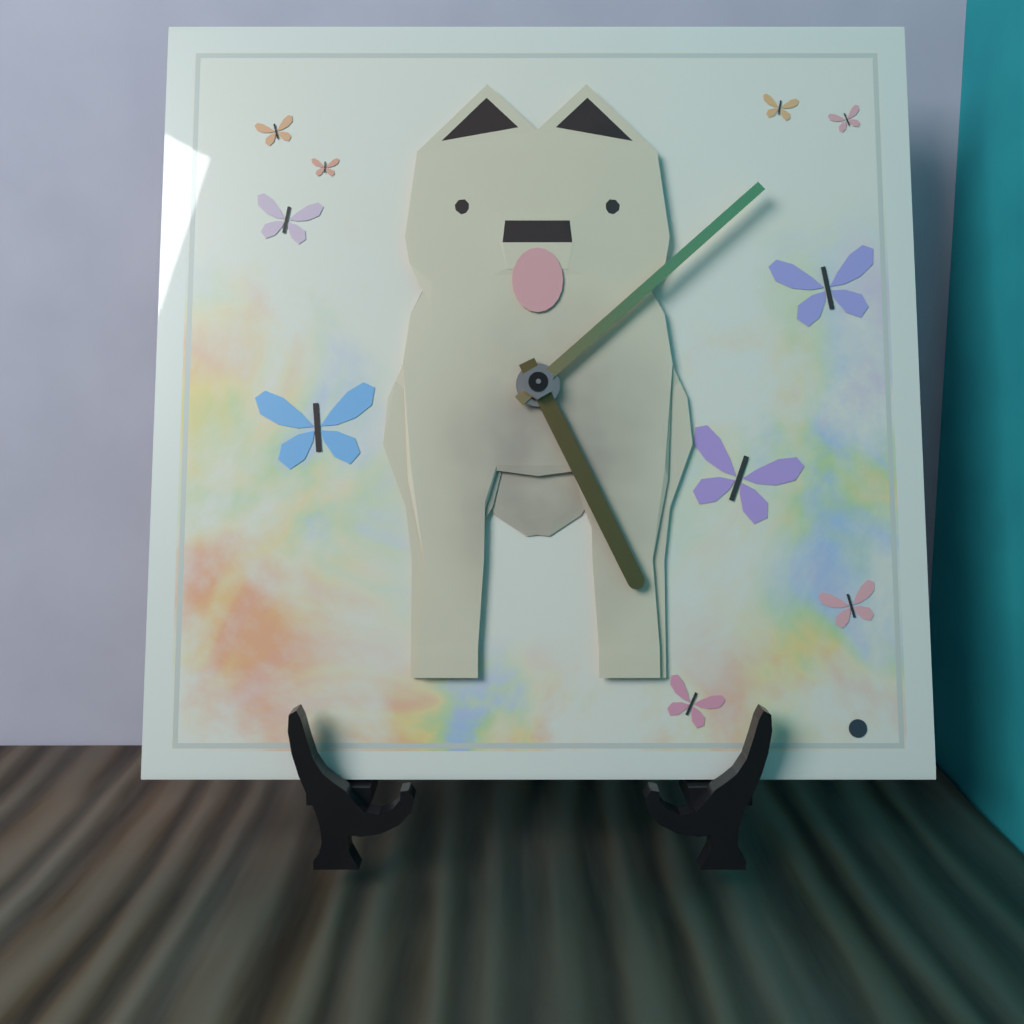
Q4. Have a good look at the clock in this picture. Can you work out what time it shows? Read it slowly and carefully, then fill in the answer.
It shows 5:08
